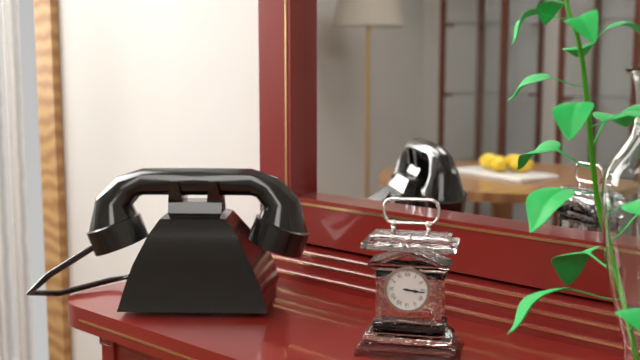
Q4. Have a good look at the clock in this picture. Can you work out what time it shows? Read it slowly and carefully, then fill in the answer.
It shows 3:16
